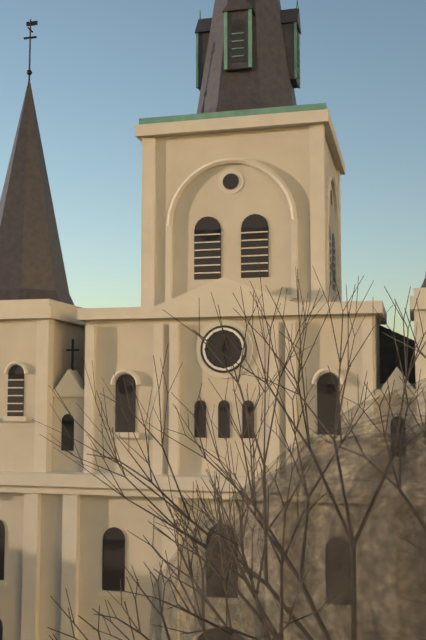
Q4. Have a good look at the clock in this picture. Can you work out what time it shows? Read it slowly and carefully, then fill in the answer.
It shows 12:28
